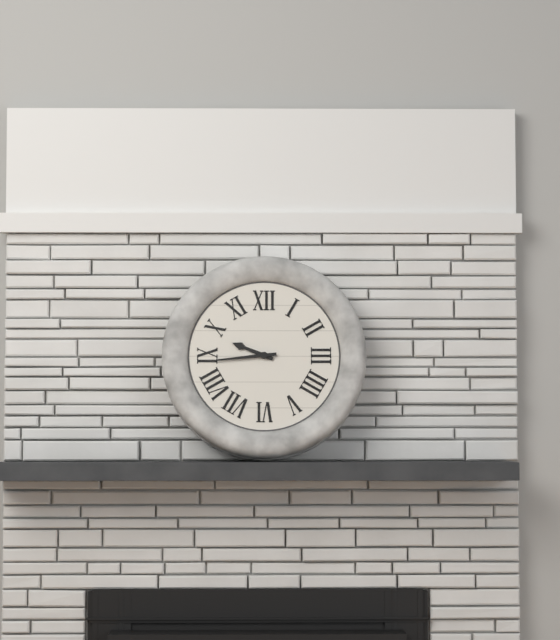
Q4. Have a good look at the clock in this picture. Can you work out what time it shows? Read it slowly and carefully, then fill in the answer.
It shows 9:44
